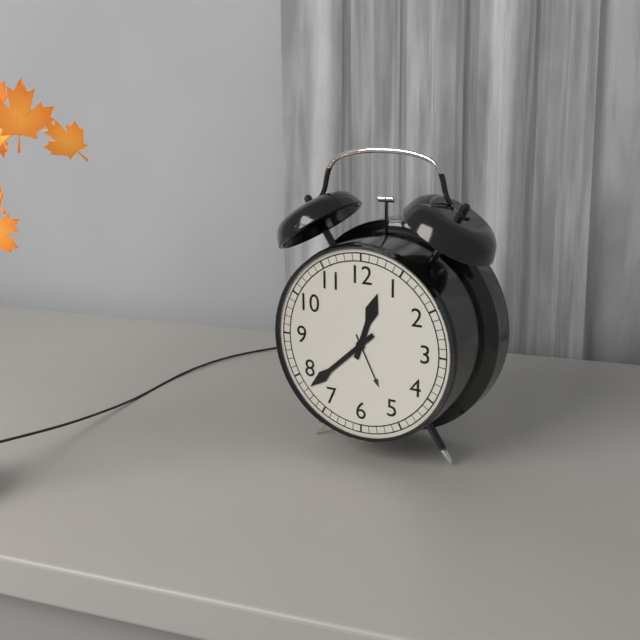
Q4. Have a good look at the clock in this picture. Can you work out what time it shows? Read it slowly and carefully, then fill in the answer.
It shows 12:38
